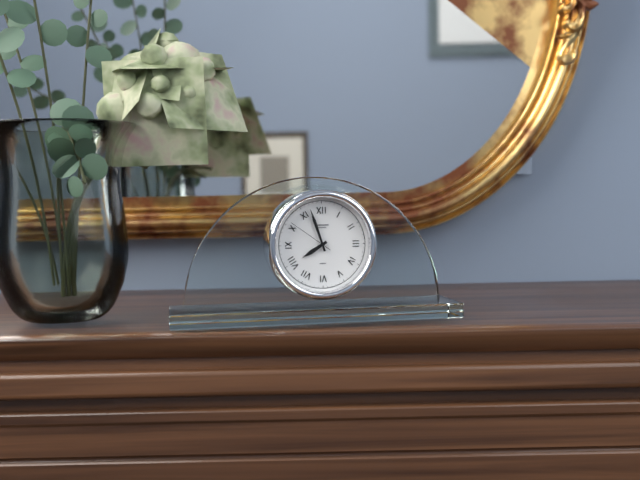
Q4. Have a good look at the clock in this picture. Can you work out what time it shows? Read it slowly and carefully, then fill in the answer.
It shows 7:57
